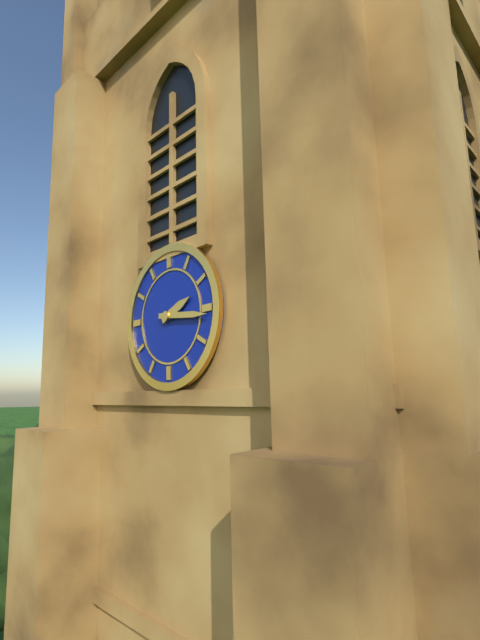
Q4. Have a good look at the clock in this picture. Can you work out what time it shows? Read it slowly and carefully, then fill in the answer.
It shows 2:16
